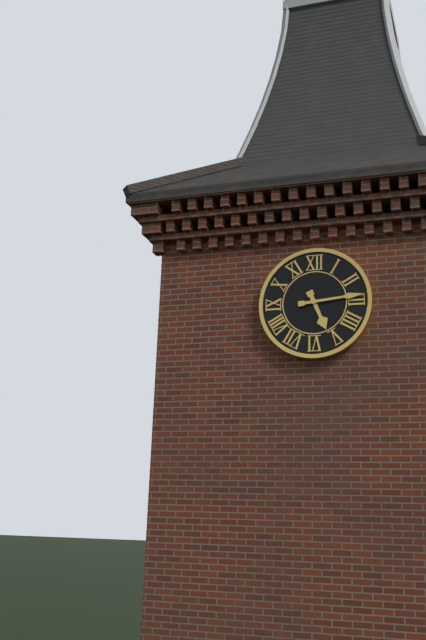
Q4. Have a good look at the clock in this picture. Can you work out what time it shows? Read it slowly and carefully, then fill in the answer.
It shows 5:14
